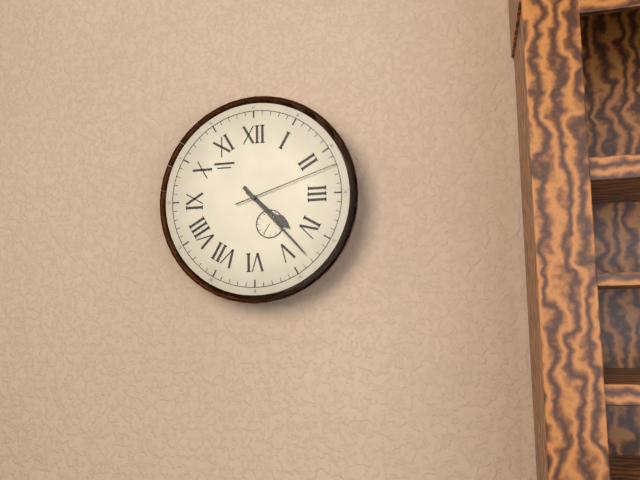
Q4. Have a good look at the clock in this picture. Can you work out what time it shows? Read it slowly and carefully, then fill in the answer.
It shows 4:23:12
